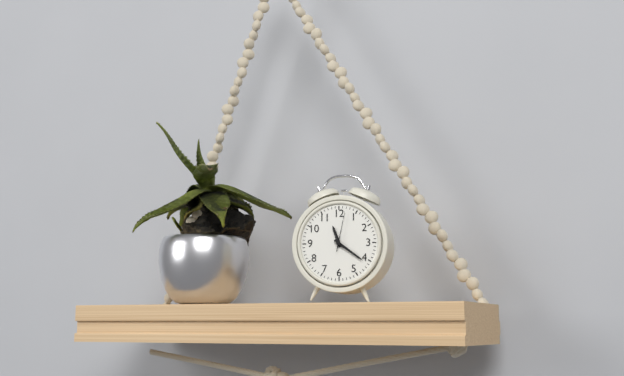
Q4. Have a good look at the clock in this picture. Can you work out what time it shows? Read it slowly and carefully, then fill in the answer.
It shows 11:21
